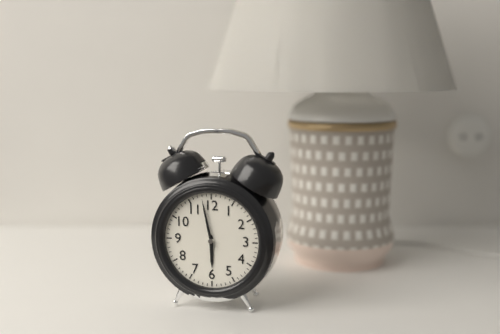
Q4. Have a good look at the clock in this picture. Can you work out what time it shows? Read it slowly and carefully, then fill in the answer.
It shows 5:58
